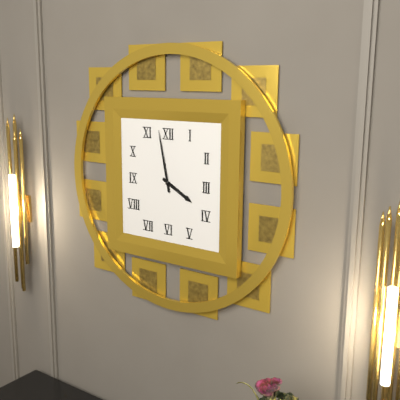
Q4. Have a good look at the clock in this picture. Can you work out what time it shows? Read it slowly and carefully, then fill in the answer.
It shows 3:58
